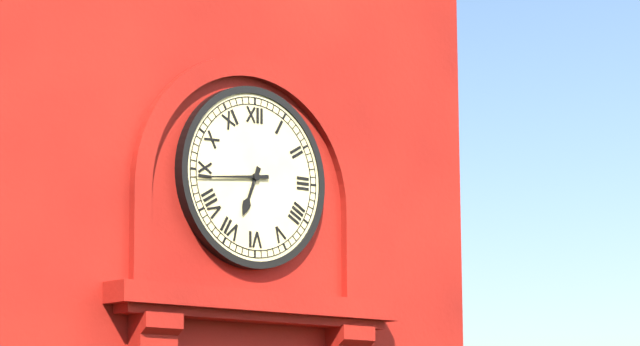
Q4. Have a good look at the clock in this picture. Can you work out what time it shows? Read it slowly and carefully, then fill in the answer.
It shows 6:44
